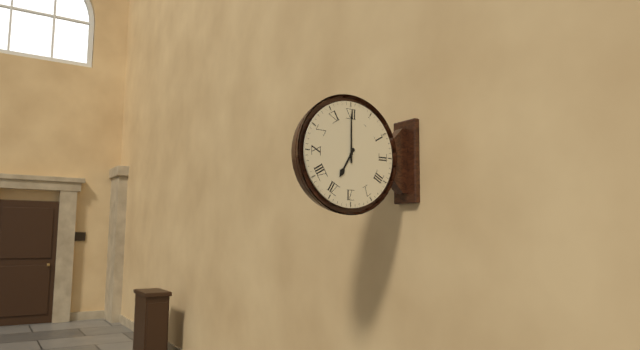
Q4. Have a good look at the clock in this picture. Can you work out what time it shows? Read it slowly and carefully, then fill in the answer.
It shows 7:00
